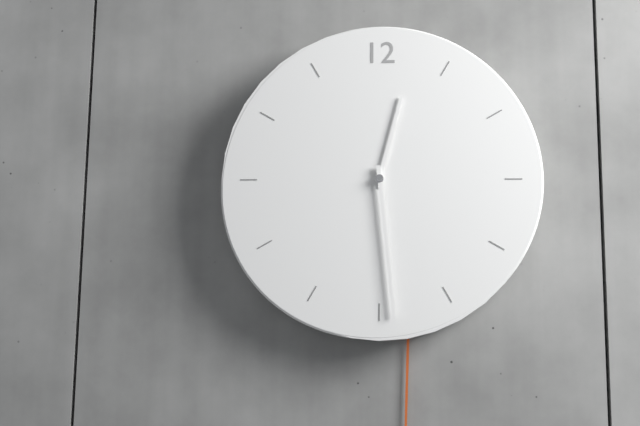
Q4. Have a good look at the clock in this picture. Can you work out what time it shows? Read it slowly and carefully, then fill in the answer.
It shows 12:29
